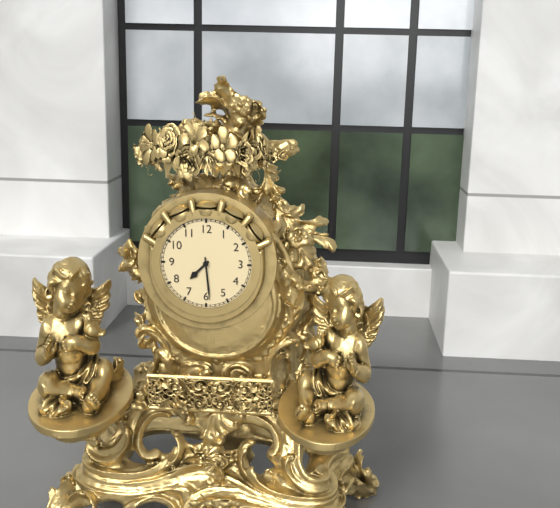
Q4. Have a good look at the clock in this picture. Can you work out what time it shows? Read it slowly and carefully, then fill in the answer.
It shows 7:29
